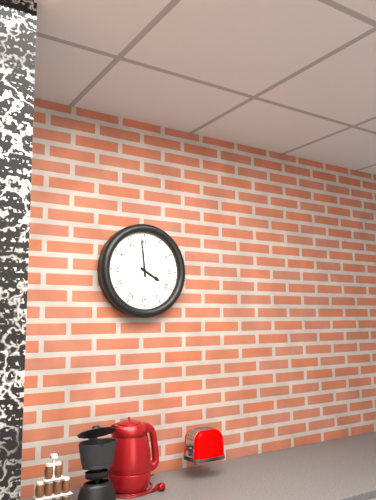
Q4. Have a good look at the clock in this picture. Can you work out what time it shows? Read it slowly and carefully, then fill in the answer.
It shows 3:59
